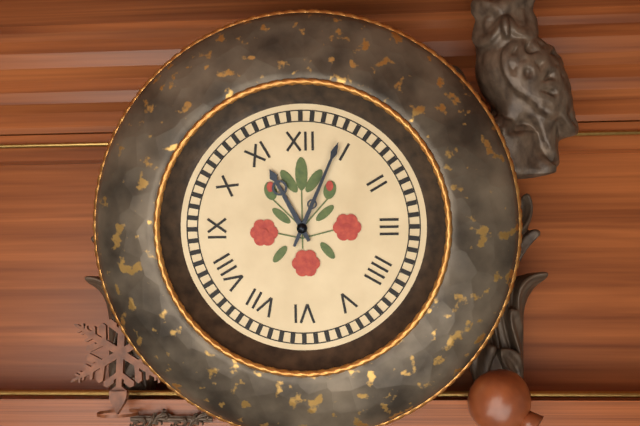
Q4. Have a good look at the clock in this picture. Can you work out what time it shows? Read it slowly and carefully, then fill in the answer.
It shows 11:04
